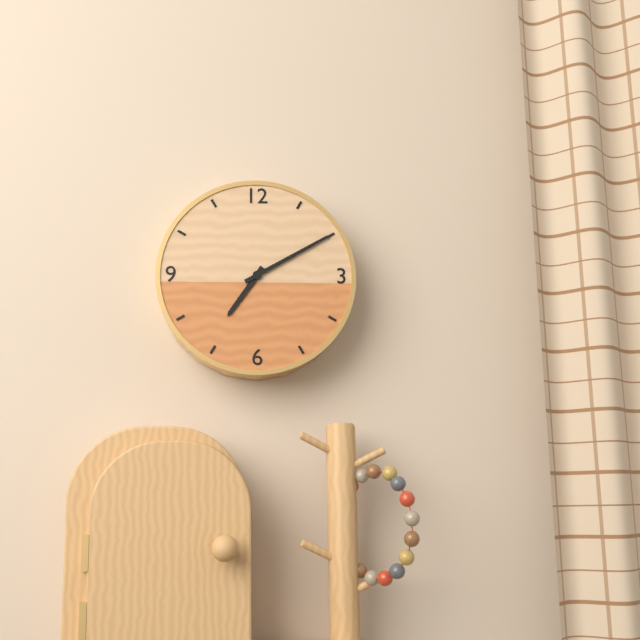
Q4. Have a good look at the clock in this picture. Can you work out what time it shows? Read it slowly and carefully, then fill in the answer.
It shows 7:10
